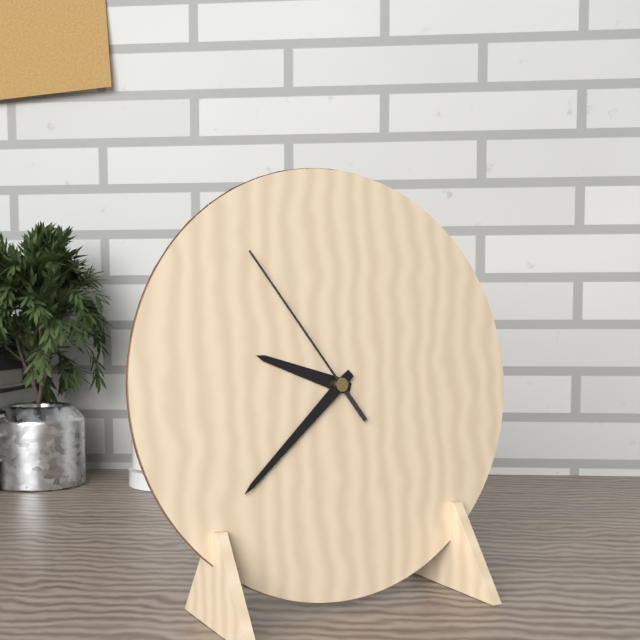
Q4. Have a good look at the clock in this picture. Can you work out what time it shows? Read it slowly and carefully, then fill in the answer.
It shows 9:38:54
